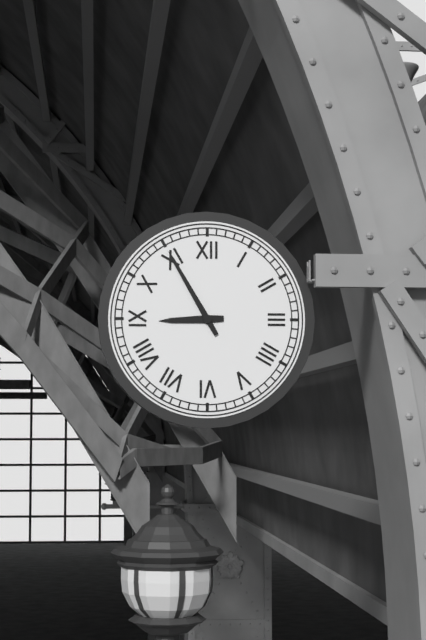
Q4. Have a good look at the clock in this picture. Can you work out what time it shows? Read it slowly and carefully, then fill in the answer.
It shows 8:55
